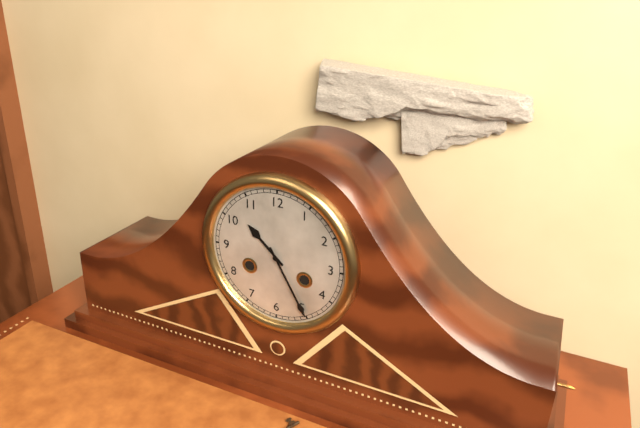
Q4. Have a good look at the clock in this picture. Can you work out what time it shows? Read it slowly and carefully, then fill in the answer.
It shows 10:25
